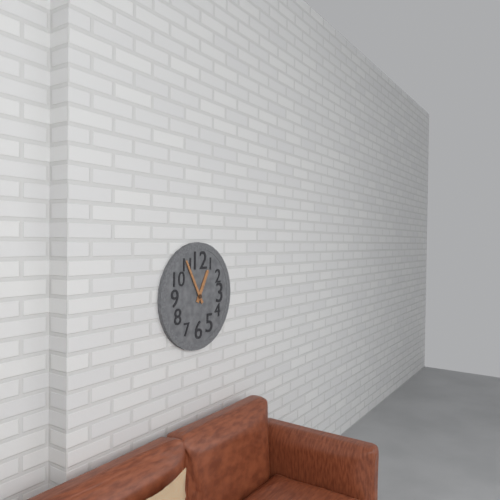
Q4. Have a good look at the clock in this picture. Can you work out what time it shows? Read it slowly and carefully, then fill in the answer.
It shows 12:55
